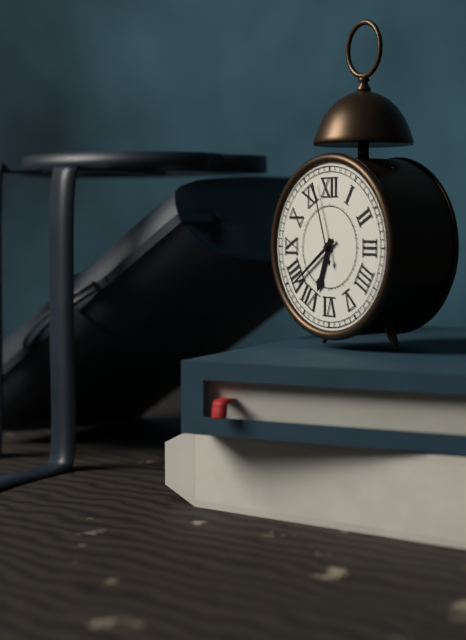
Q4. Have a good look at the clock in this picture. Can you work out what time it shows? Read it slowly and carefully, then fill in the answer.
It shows 6:39:57
